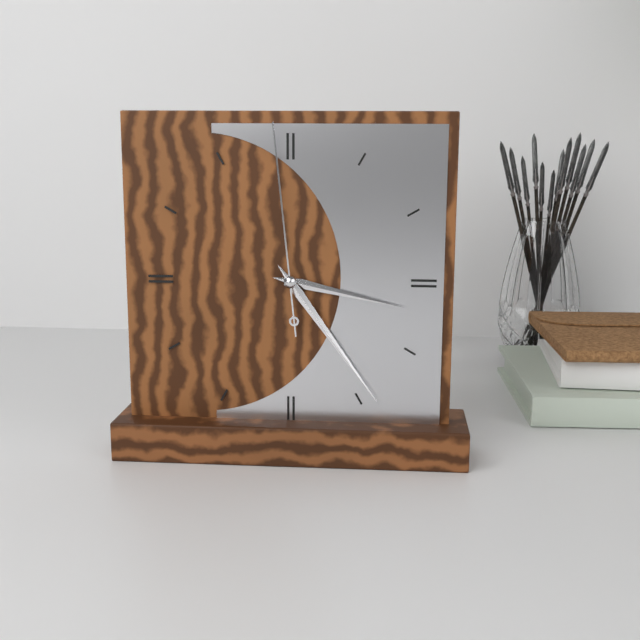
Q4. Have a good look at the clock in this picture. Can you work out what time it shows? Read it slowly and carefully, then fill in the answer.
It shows 3:24:59
